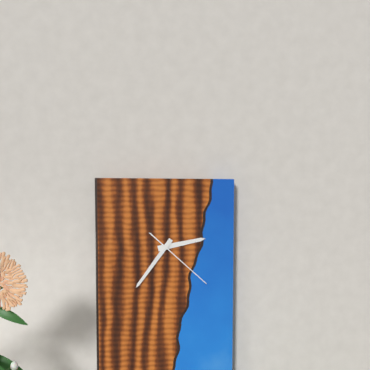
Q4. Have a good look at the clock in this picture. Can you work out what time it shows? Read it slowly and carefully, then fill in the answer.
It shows 2:36:22
